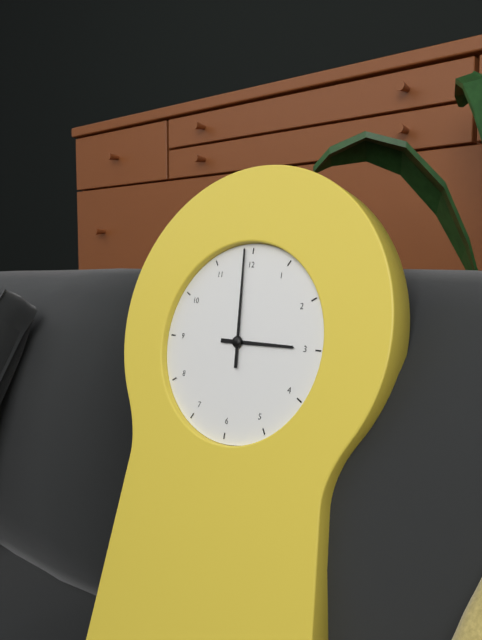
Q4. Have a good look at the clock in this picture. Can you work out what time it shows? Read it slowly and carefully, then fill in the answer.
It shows 2:59
